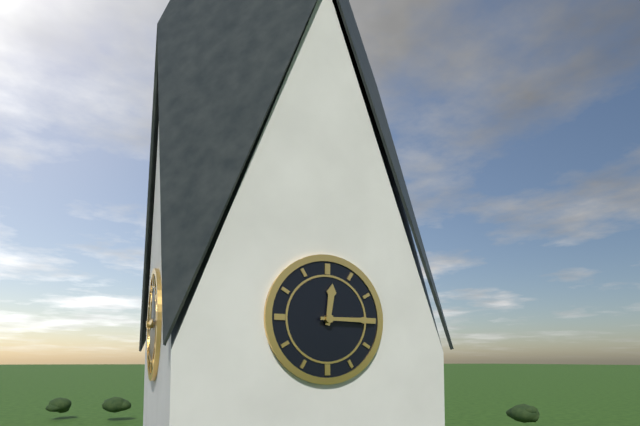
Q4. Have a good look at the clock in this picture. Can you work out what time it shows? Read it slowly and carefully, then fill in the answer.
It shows 12:15
